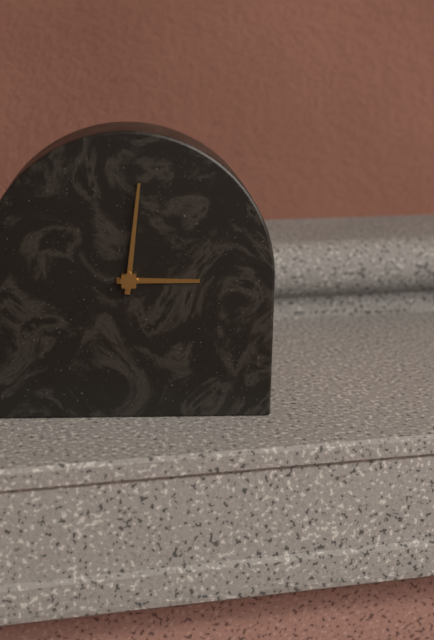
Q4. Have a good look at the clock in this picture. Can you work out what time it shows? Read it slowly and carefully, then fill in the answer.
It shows 3:01
